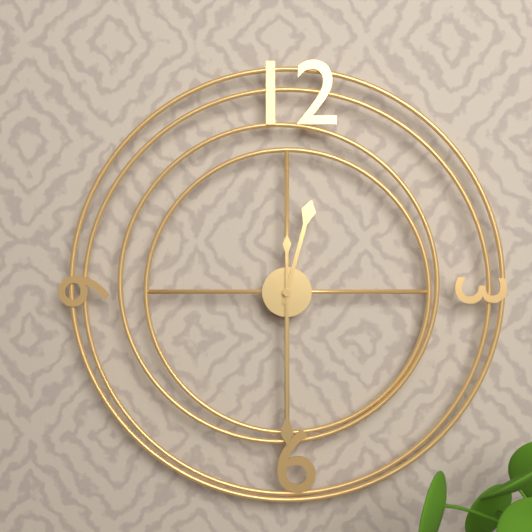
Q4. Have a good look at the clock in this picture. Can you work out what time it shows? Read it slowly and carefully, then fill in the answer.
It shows 12:30
